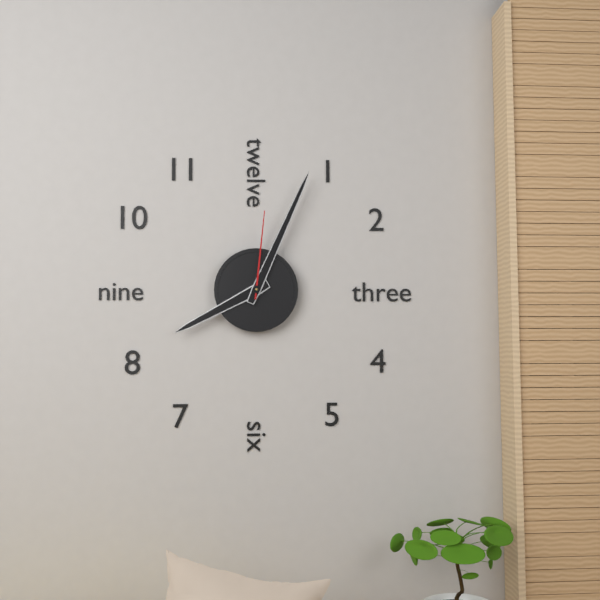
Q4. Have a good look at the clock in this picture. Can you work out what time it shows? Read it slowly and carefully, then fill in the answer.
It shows 8:04:01
